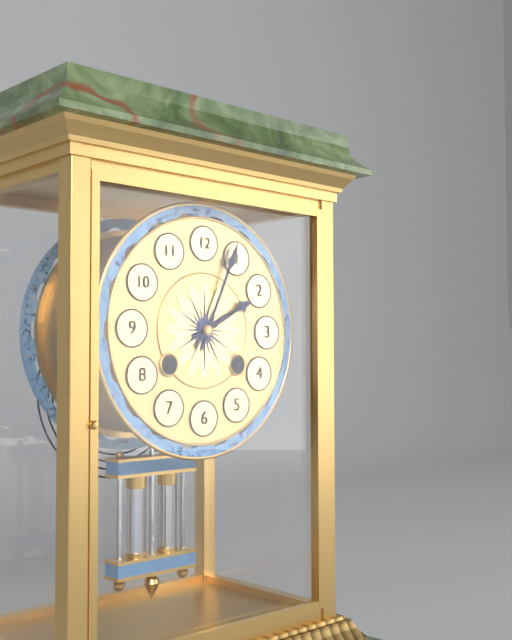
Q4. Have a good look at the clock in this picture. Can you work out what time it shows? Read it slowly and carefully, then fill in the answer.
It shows 2:04
